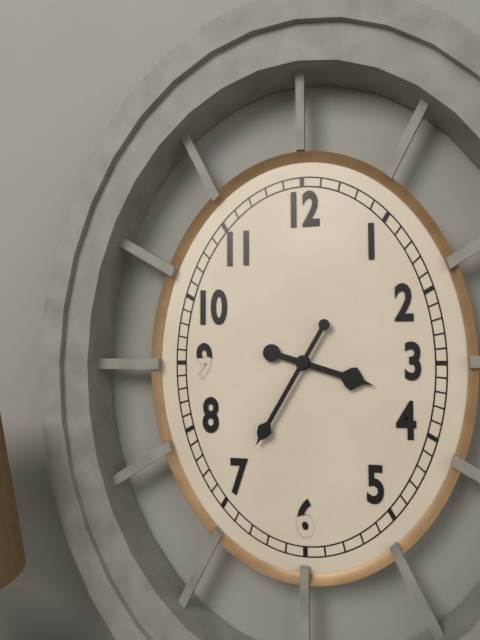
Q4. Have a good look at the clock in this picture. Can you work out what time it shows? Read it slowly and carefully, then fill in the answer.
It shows 3:35
